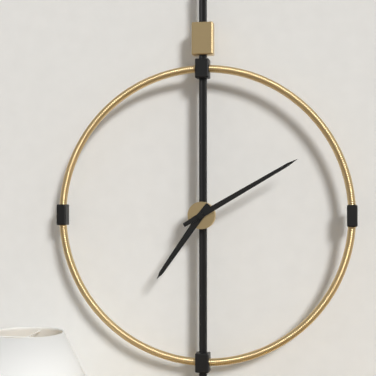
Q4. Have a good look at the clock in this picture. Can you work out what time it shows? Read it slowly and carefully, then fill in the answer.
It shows 7:10
